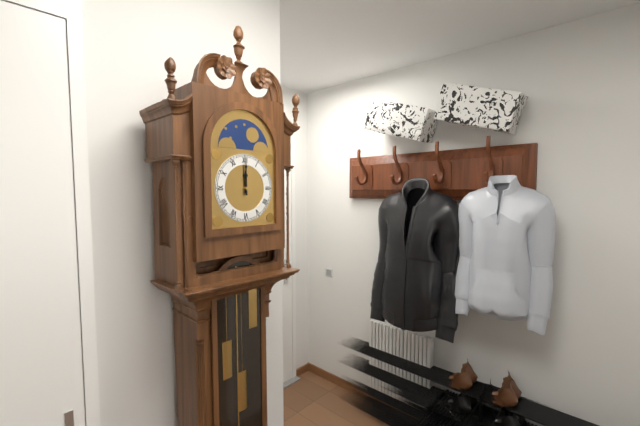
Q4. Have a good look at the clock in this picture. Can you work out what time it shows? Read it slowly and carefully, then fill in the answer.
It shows 12:00
